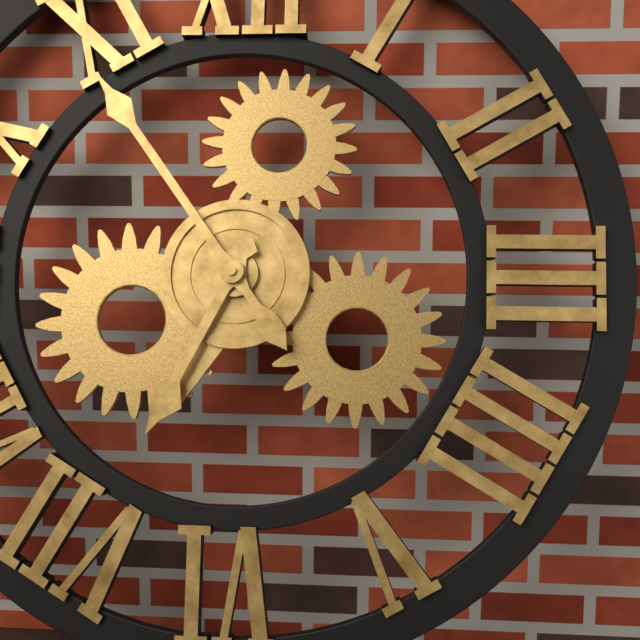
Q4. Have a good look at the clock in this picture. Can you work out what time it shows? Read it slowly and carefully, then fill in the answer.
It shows 6:54
